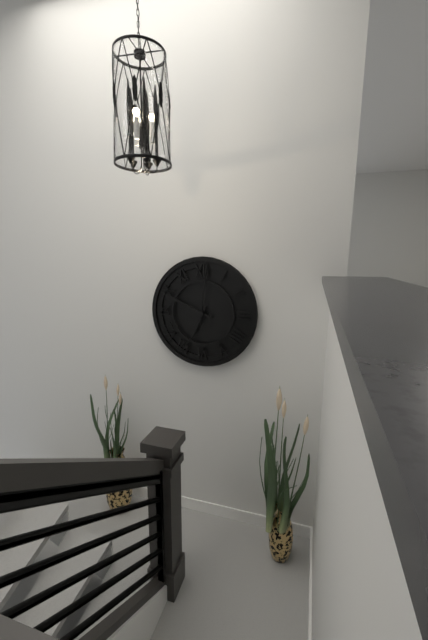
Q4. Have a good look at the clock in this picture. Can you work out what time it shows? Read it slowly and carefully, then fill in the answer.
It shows 6:49:01
